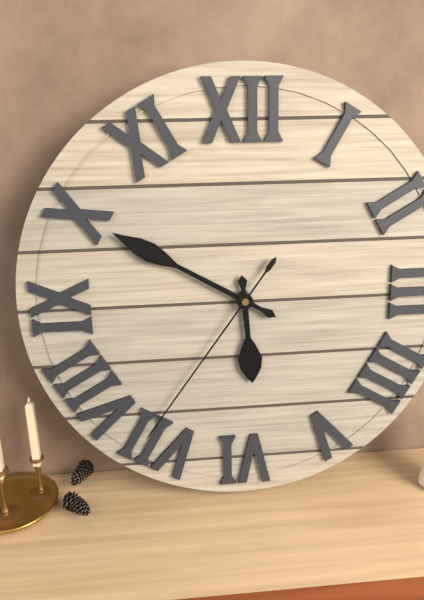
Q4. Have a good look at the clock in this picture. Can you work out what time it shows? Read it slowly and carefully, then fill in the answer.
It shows 5:50:36
